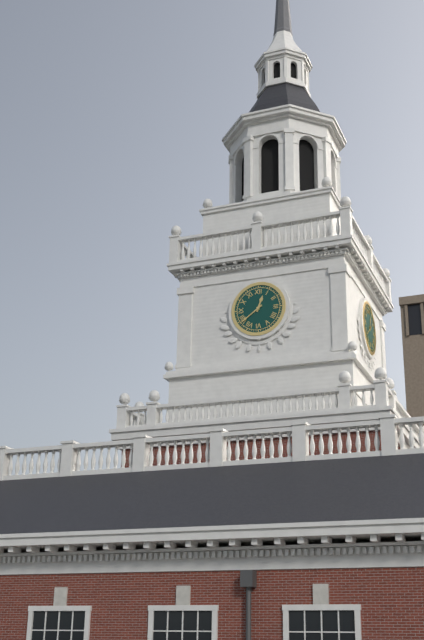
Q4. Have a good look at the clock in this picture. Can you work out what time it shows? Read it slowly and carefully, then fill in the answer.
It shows 12:39
